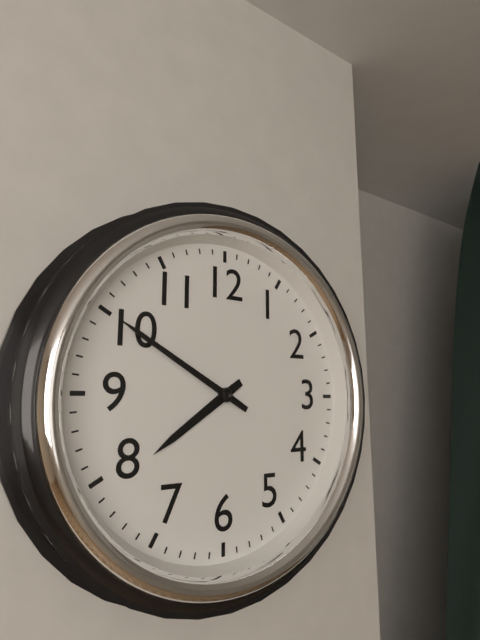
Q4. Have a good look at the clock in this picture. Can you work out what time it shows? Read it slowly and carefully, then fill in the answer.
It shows 7:50
